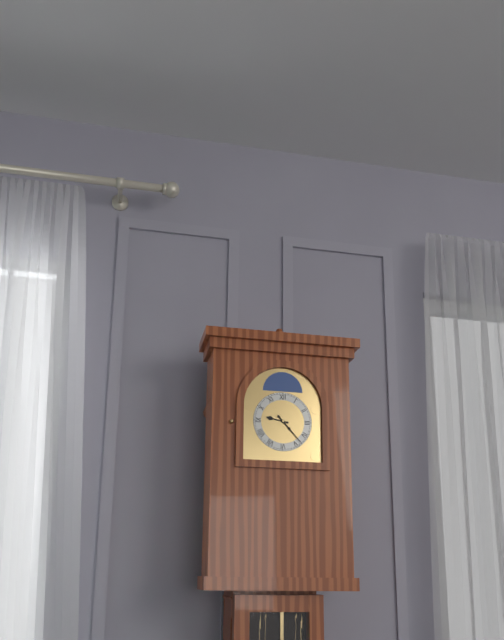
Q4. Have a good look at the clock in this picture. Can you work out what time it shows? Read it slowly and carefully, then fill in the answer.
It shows 9:23
